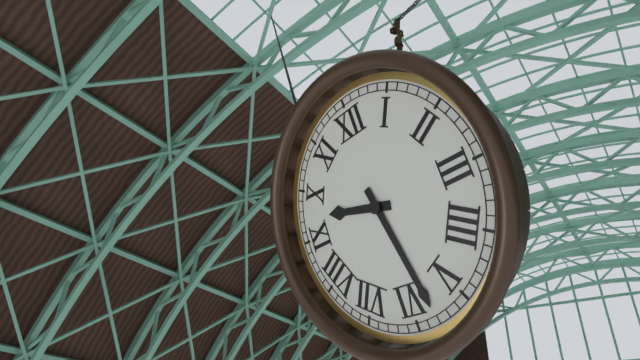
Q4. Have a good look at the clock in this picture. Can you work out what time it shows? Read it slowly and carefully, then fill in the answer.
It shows 9:28
